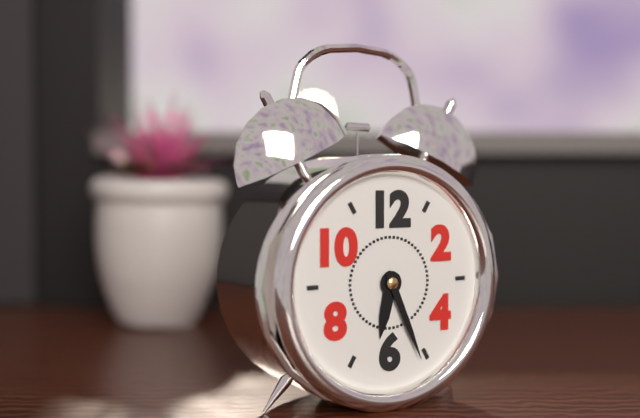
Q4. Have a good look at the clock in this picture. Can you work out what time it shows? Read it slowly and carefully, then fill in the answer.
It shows 6:26
